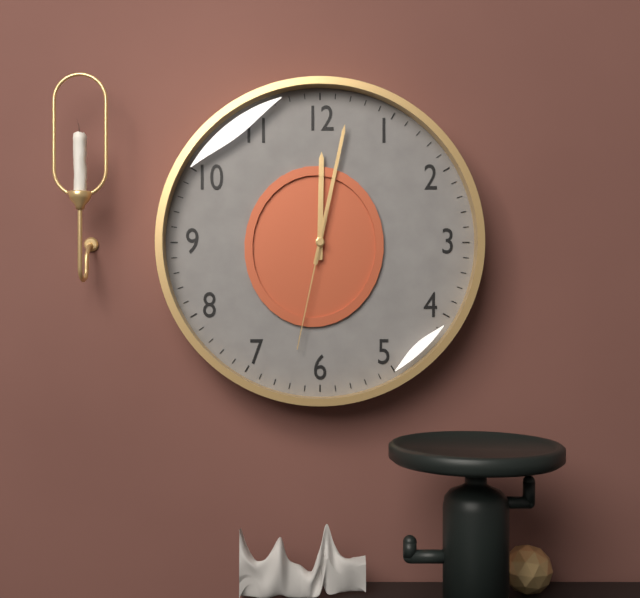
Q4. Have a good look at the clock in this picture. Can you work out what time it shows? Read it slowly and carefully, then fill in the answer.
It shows 12:02:32
